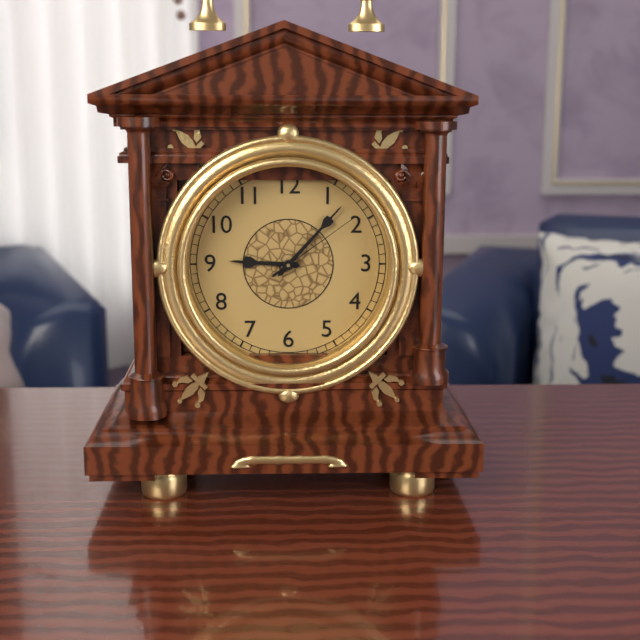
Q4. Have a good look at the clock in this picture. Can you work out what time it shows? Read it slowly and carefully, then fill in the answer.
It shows 9:07:09
